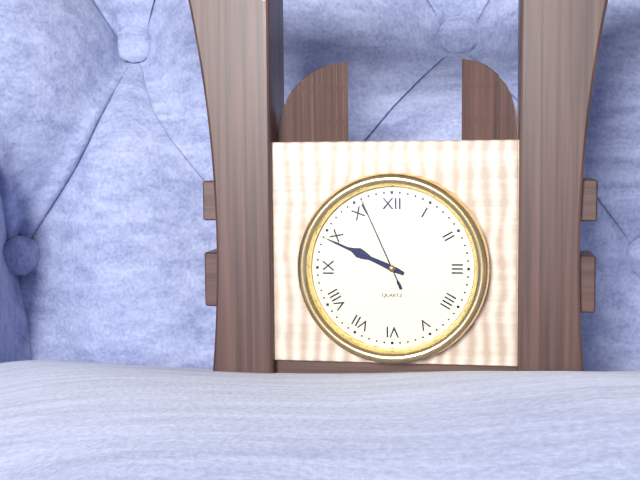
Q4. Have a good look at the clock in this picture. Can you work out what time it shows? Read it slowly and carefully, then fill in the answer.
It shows 9:49:56
